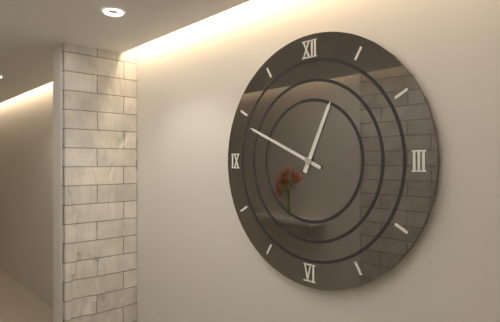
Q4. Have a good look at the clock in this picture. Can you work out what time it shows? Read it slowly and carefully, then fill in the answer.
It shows 12:49
